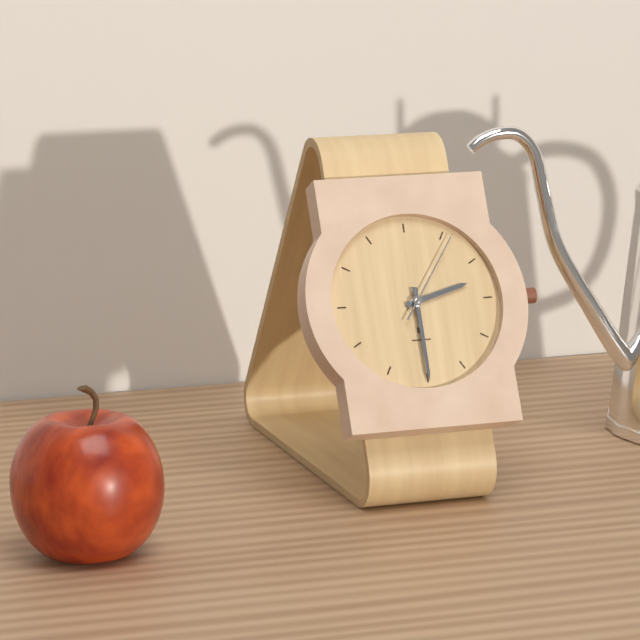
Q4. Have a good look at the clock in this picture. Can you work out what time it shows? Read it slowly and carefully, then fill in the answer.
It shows 2:30:06
